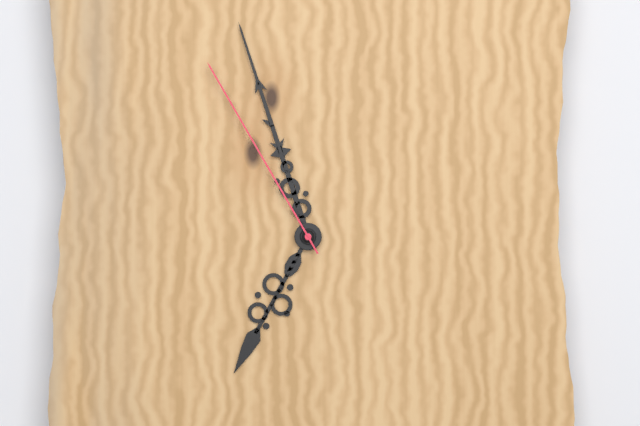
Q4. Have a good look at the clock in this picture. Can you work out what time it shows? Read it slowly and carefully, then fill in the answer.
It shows 6:57:55
